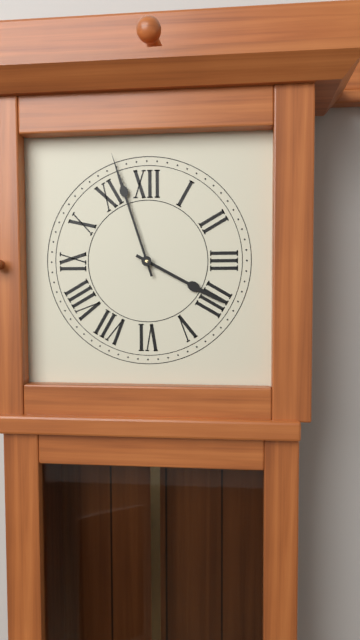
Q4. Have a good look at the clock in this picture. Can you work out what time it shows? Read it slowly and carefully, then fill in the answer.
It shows 3:57
